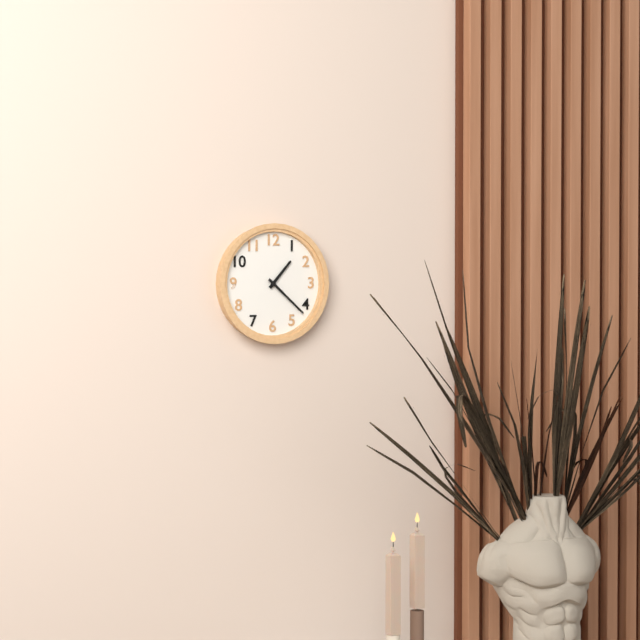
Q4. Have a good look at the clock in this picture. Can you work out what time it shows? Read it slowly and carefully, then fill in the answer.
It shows 1:22
